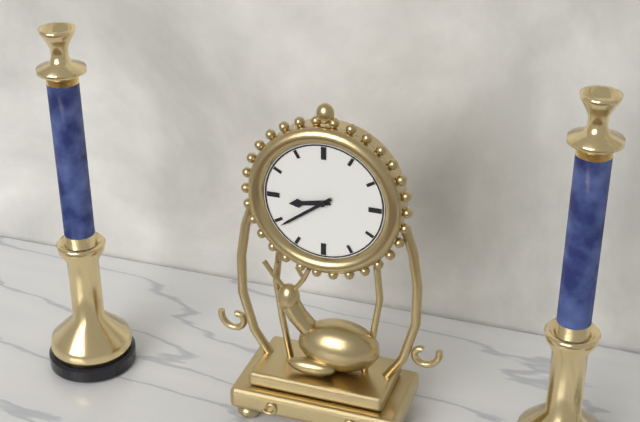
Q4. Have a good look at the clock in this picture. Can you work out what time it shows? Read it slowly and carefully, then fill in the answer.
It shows 8:39
